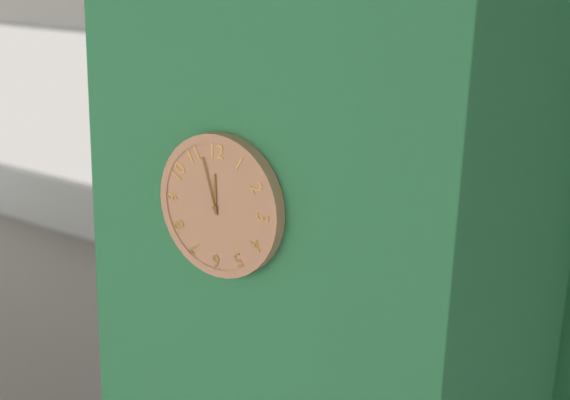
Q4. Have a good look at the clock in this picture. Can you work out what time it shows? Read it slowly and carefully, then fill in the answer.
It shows 11:57
